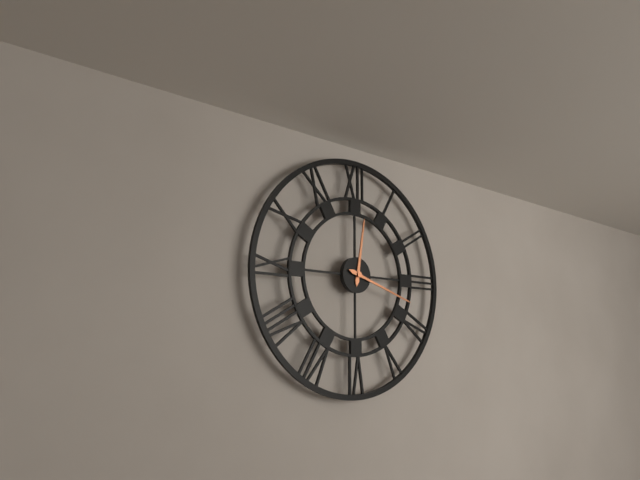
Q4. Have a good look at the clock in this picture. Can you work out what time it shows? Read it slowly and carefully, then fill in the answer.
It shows 12:18
